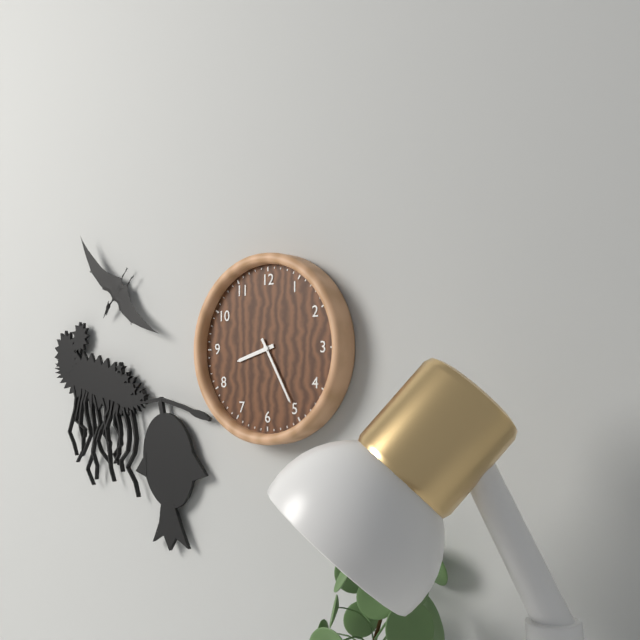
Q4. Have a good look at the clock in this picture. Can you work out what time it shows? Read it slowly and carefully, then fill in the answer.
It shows 8:25
